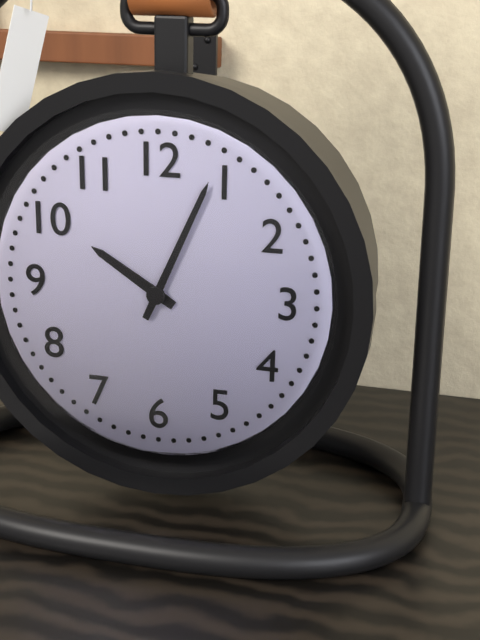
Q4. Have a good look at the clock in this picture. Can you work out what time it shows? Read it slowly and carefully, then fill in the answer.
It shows 10:04
